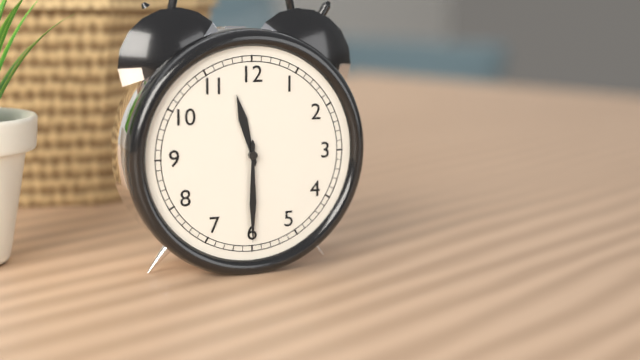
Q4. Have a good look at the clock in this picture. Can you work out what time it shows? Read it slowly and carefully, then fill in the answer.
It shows 11:30
